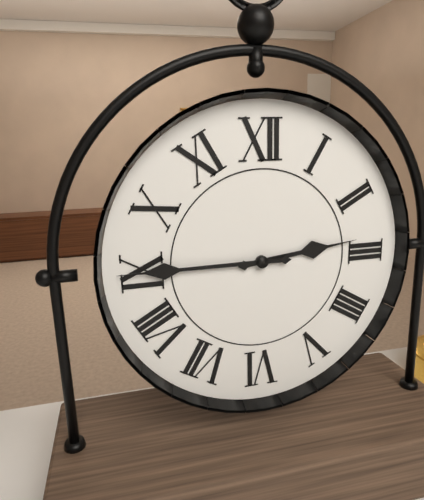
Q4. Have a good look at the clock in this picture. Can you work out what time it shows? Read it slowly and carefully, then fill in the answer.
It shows 2:45
